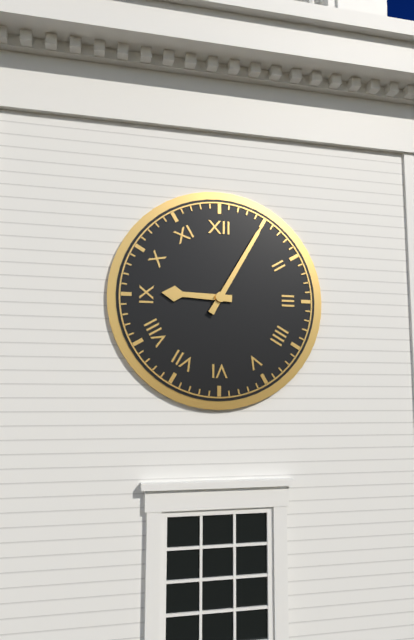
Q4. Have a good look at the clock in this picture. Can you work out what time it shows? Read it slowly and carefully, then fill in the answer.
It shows 9:05
